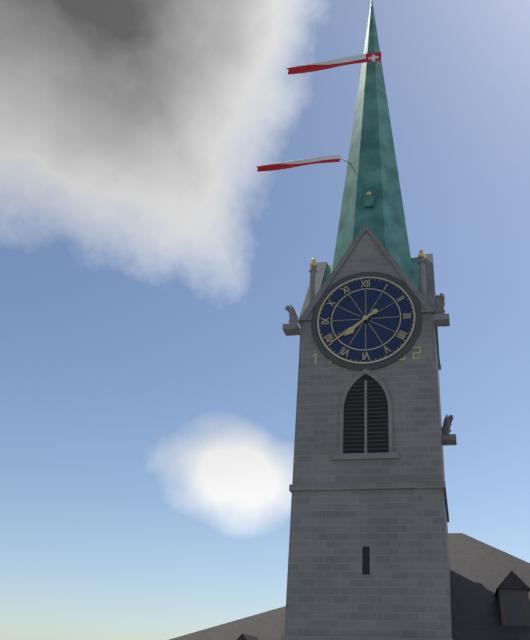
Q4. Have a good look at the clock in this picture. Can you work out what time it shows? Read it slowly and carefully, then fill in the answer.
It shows 7:39
